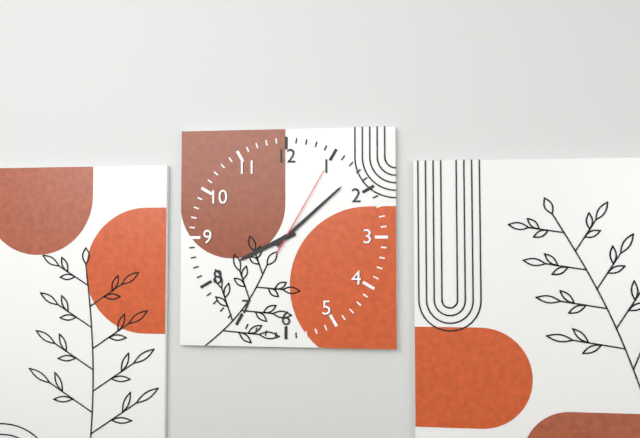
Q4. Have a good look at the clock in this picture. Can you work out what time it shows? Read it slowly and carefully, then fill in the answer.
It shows 8:08:05
